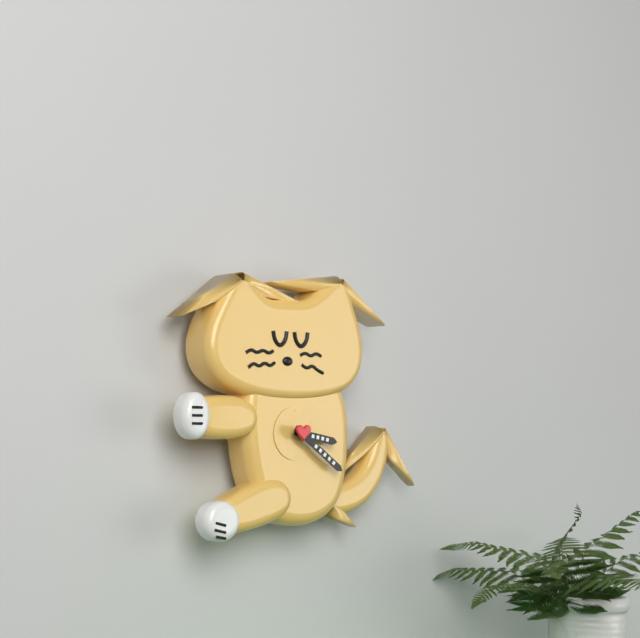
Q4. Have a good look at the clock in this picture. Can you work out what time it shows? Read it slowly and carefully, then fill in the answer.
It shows 3:21
